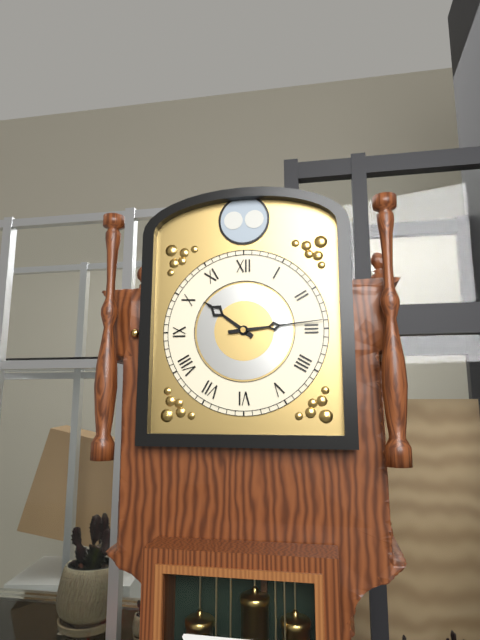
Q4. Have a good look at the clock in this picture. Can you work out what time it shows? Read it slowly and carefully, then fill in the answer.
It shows 10:14
